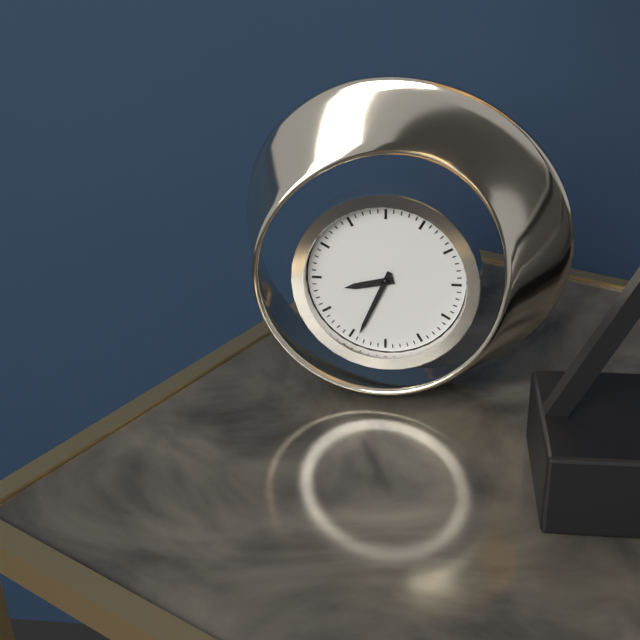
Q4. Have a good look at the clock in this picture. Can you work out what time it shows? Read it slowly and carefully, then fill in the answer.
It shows 8:34
